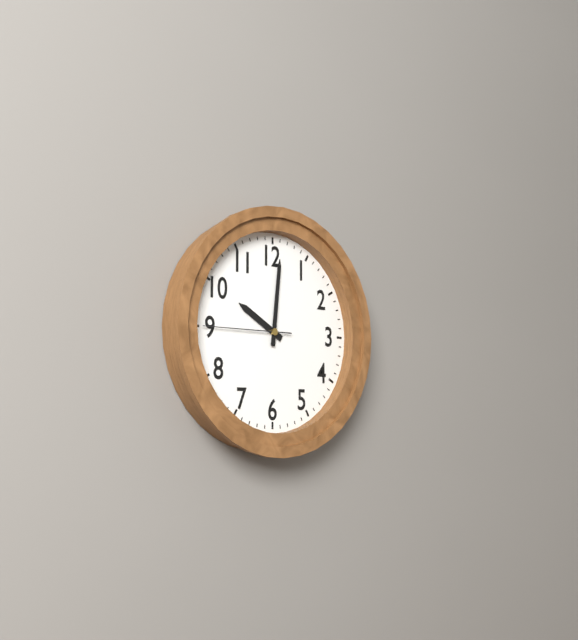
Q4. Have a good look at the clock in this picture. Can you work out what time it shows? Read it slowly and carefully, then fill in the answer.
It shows 10:01:45
